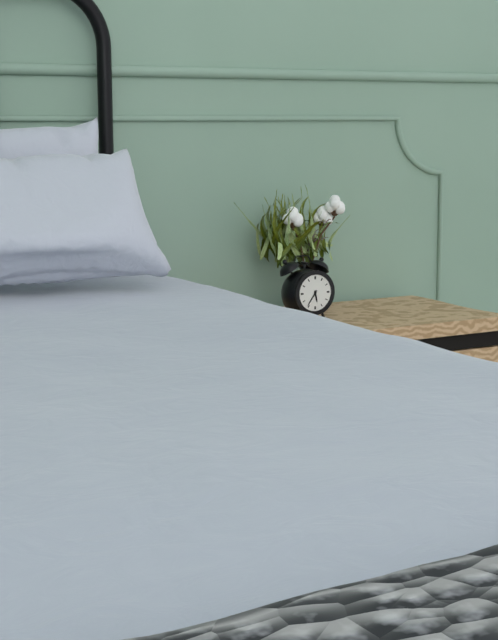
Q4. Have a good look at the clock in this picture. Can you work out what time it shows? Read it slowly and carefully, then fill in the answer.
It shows 5:36
